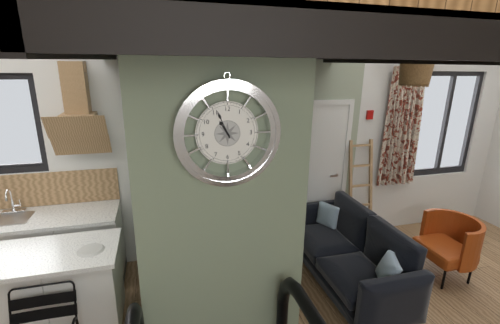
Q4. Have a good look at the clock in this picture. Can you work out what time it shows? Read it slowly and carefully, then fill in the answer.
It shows 10:56
